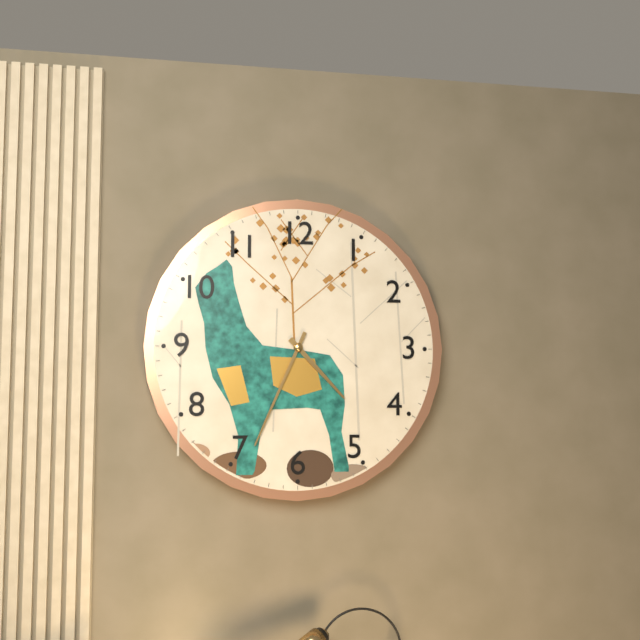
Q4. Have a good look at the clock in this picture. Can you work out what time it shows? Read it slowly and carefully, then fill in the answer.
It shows 4:34
